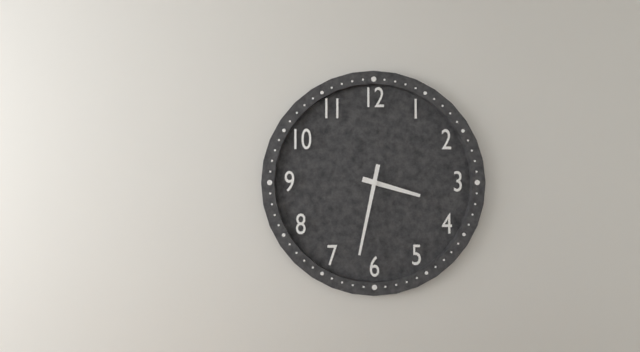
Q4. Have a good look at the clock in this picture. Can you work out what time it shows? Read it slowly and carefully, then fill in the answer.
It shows 3:32
